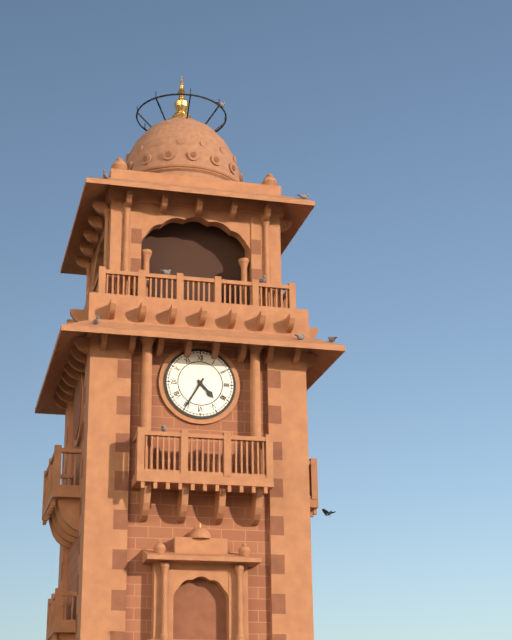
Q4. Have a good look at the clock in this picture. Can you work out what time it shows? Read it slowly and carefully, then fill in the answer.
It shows 4:35
